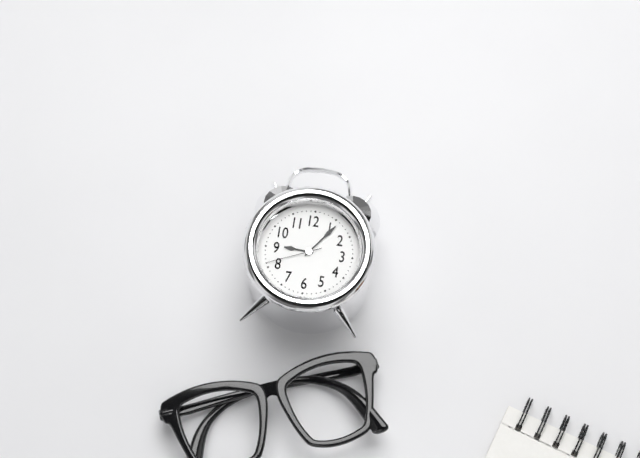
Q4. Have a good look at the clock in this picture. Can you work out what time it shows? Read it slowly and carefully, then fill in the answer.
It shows 9:06:41
